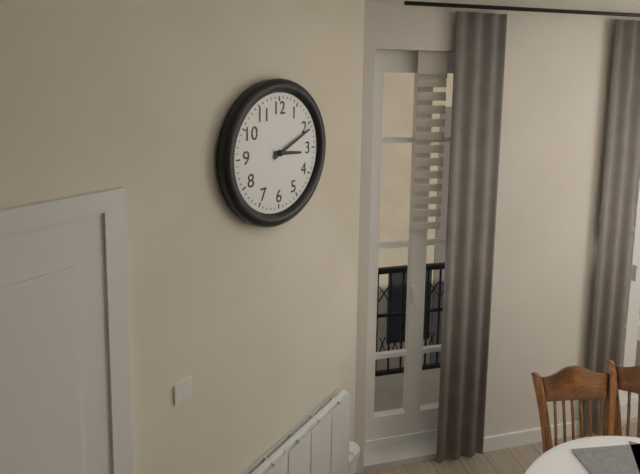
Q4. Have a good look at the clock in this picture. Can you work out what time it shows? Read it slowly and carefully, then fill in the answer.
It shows 3:11
